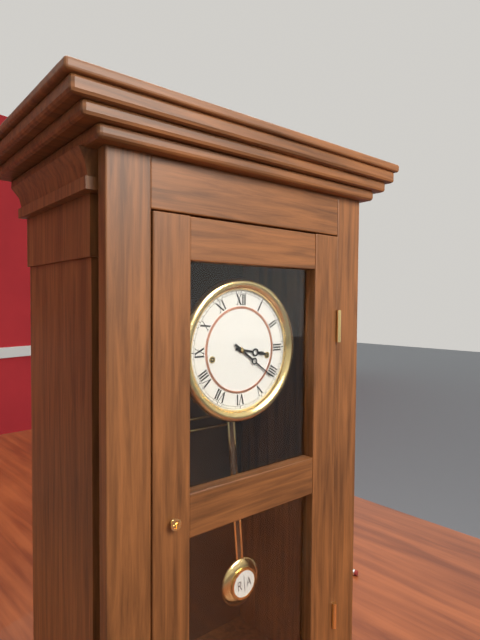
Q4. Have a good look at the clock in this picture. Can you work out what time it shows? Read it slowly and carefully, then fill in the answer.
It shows 3:21
